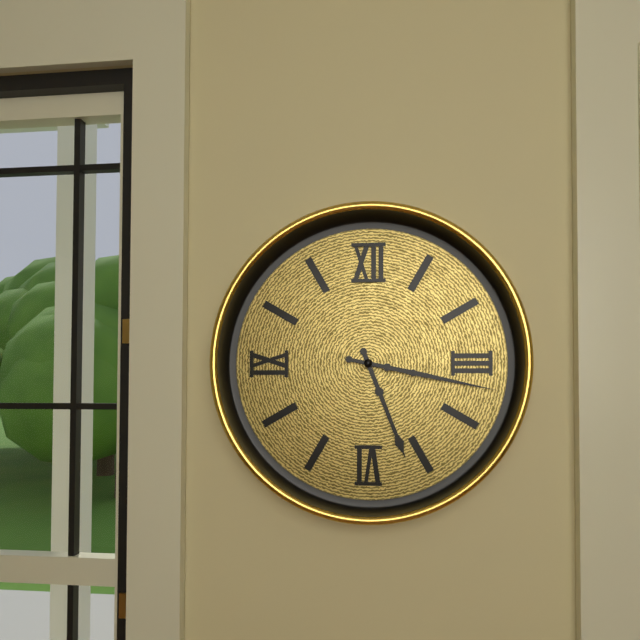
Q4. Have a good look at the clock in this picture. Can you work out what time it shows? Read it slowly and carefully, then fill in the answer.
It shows 5:17
